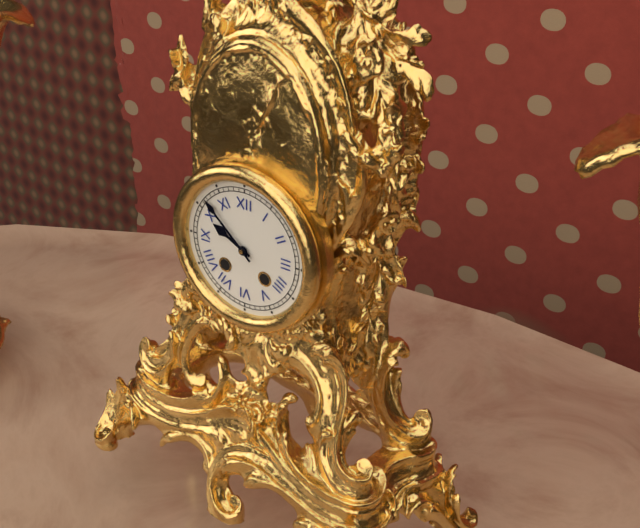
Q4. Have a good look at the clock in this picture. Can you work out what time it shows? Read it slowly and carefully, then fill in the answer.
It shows 9:52
